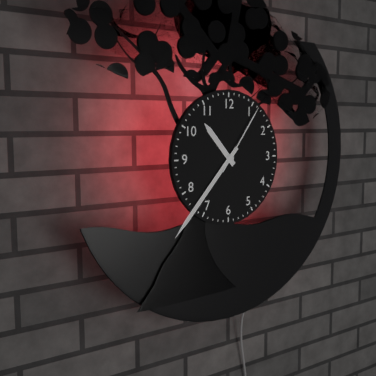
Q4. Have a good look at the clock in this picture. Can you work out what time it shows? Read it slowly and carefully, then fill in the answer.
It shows 10:37:06
